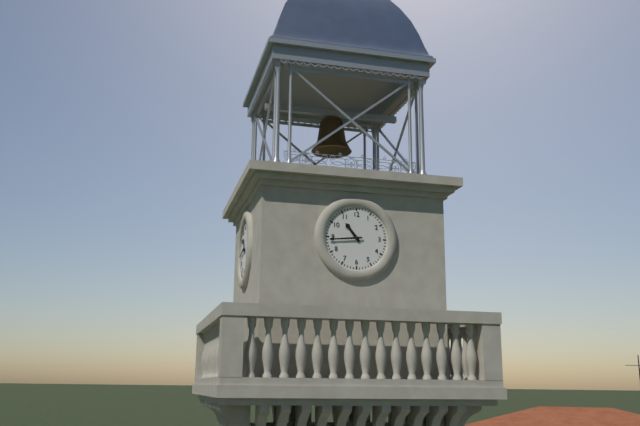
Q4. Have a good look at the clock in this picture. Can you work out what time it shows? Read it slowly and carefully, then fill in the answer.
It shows 10:44
